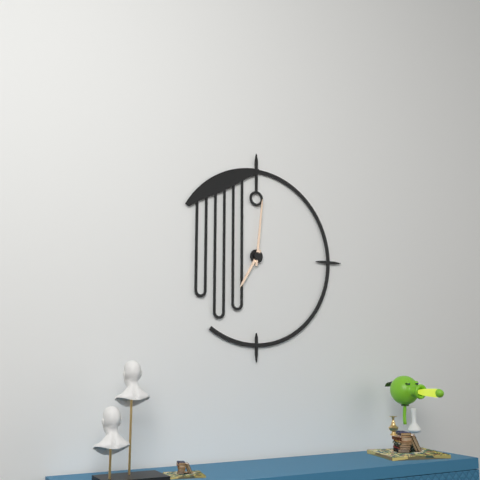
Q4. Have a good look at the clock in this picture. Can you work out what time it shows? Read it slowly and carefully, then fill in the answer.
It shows 7:01
